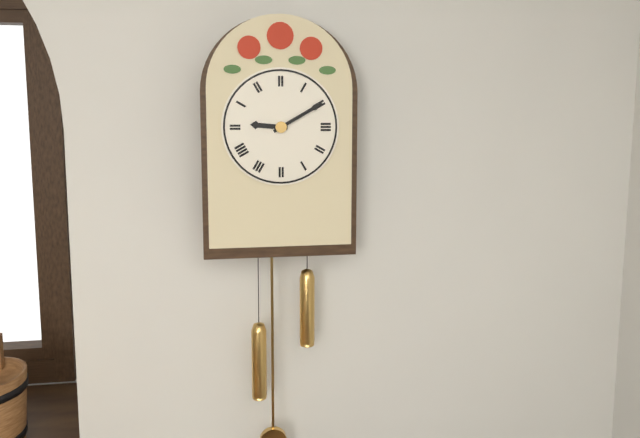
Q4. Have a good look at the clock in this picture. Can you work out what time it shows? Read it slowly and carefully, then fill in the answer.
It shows 9:10
